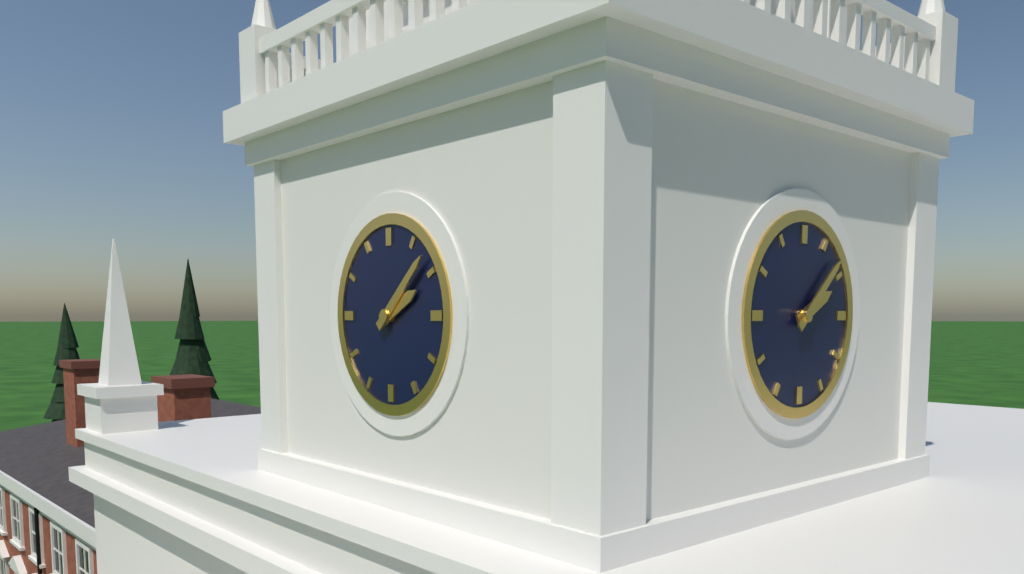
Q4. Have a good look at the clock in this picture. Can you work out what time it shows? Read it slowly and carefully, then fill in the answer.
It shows 2:08
